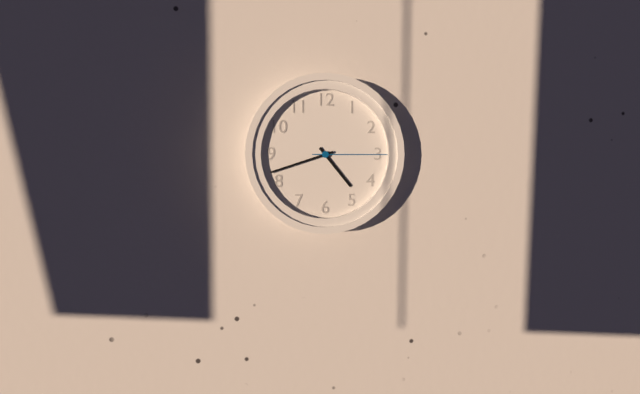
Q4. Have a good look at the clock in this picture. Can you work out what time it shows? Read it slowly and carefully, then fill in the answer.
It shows 4:42:15
